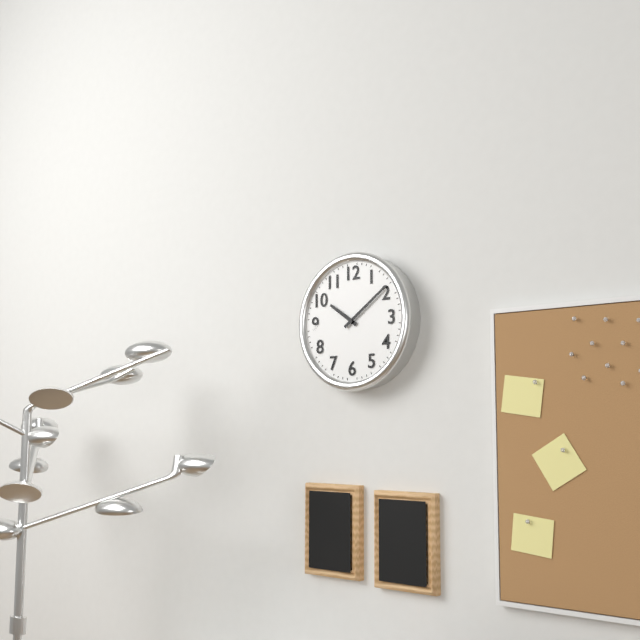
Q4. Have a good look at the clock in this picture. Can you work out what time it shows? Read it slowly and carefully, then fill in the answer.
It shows 10:09
